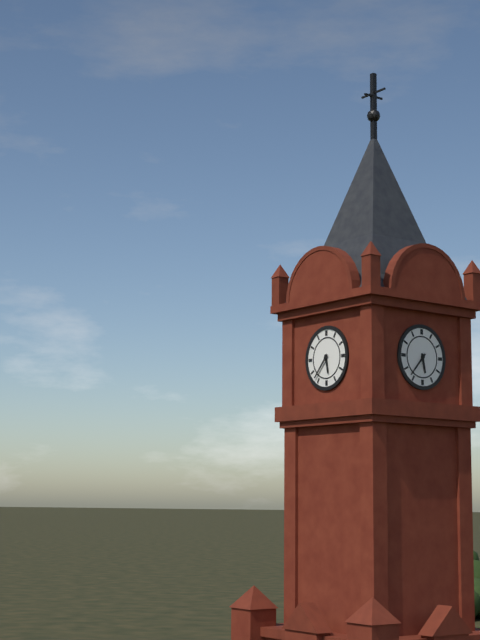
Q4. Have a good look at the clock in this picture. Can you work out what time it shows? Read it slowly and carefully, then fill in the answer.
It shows 5:37
